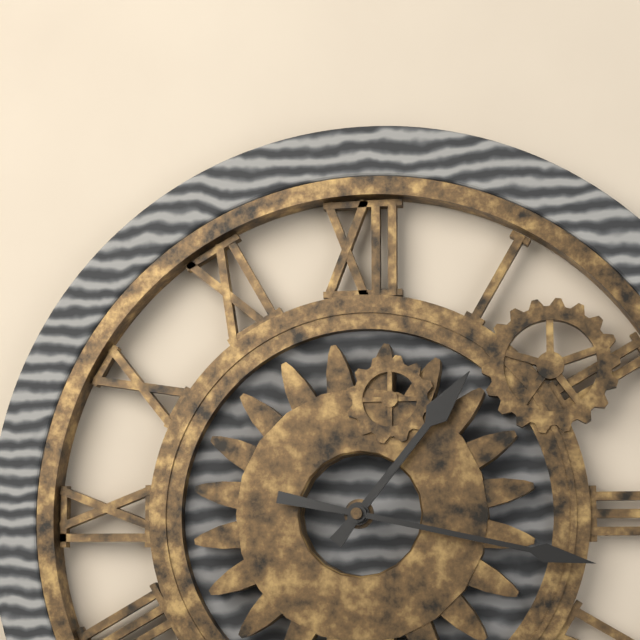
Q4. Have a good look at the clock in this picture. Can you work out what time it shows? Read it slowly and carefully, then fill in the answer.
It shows 1:17
